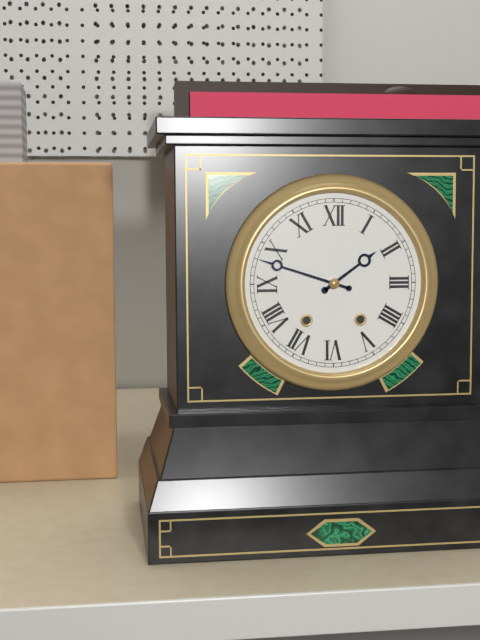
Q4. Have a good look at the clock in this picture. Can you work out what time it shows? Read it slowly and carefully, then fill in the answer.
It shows 1:48
